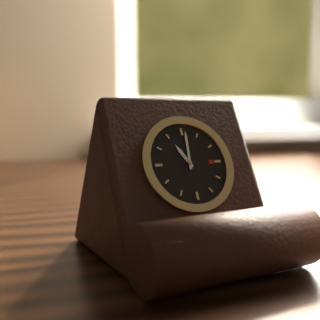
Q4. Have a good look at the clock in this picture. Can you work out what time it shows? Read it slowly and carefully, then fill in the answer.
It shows 11:01
